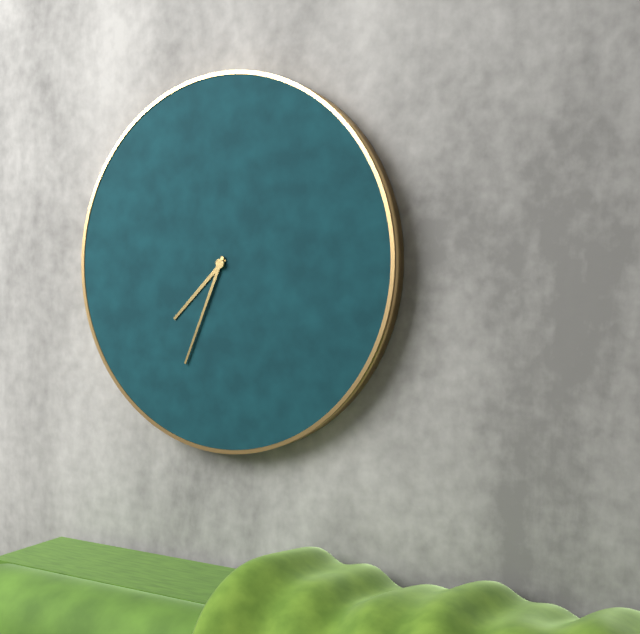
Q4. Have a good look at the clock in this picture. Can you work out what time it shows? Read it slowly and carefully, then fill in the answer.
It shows 7:34
